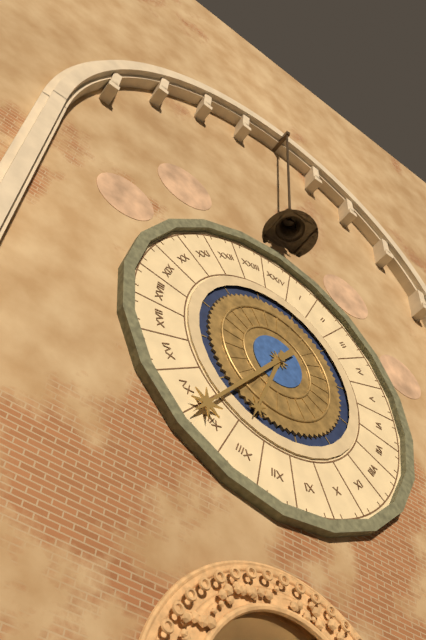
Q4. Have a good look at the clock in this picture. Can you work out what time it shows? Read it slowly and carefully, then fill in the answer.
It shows 6:36
